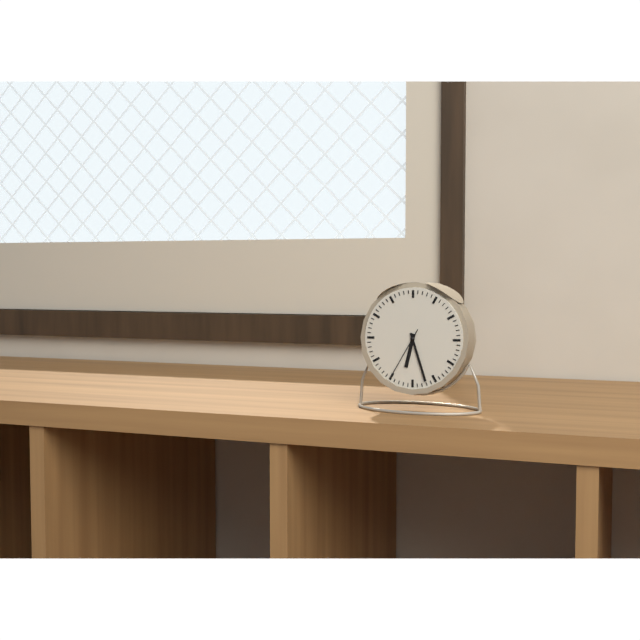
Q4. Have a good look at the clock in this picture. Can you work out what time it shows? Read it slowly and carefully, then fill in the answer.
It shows 6:27:35
